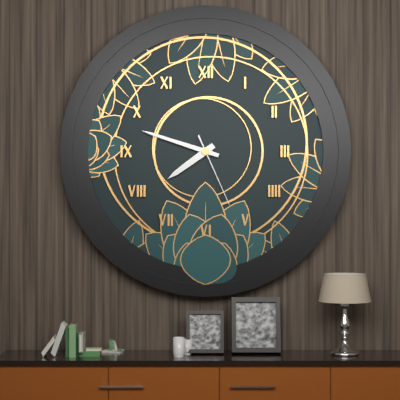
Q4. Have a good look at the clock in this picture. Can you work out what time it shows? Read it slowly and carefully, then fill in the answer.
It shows 7:48:26
